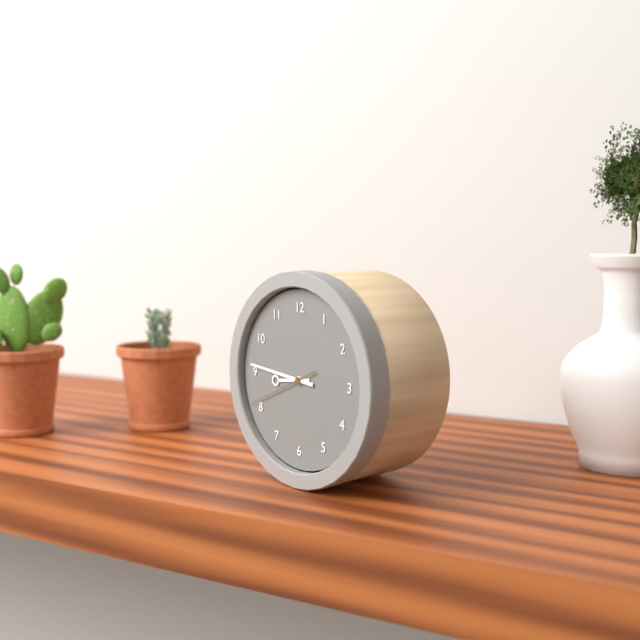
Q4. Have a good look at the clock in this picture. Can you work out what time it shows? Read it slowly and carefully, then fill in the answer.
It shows 8:46:41
